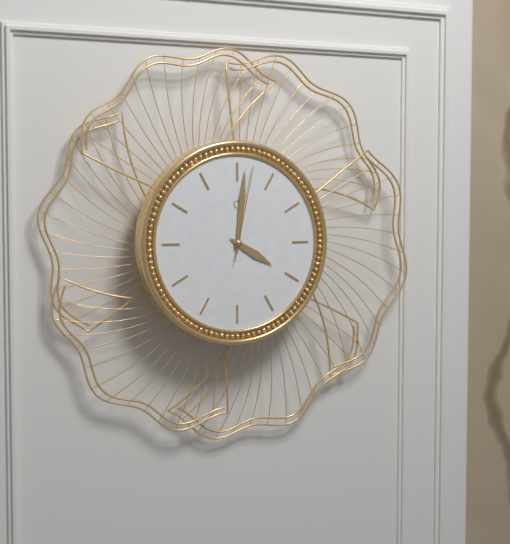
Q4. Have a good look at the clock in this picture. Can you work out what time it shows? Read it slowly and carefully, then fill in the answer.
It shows 4:01:02
